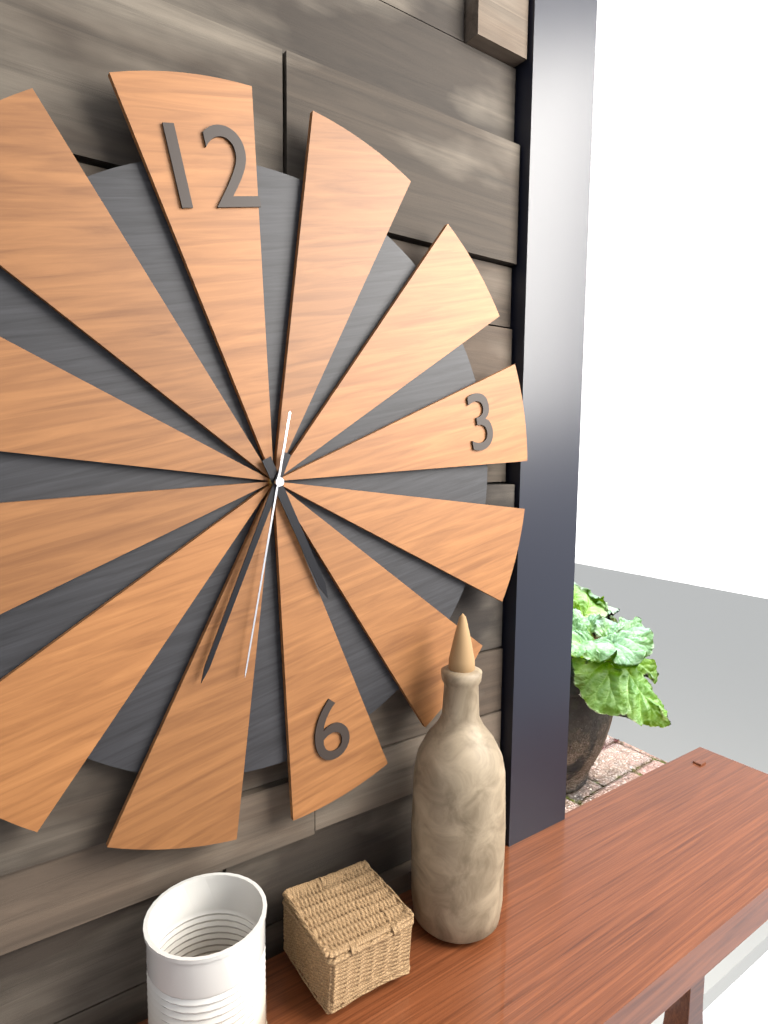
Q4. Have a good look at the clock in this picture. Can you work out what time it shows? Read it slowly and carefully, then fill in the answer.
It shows 5:36:34
